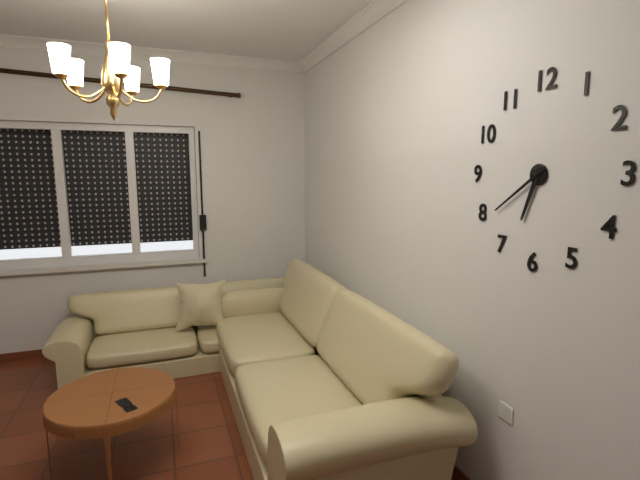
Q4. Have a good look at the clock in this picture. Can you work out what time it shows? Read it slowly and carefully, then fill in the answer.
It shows 6:39
